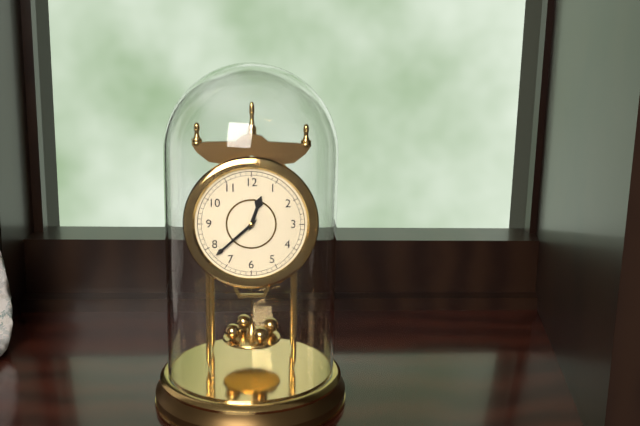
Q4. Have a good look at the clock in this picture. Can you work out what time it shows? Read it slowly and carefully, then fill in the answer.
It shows 12:38
